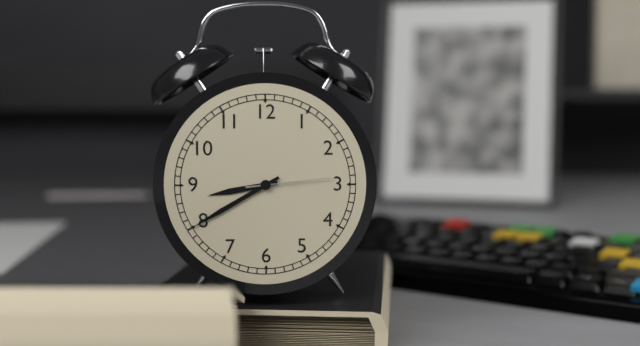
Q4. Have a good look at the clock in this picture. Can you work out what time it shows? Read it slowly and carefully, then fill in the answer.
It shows 8:40:14
